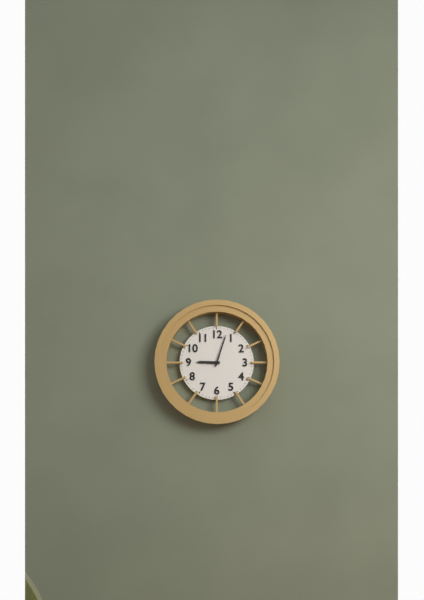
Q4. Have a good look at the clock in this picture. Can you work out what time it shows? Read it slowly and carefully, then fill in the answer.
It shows 9:03
